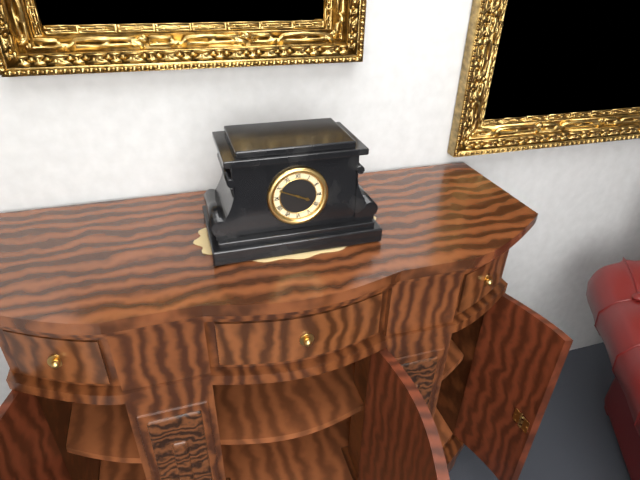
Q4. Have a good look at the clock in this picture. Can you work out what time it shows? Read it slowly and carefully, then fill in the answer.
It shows 3:49
